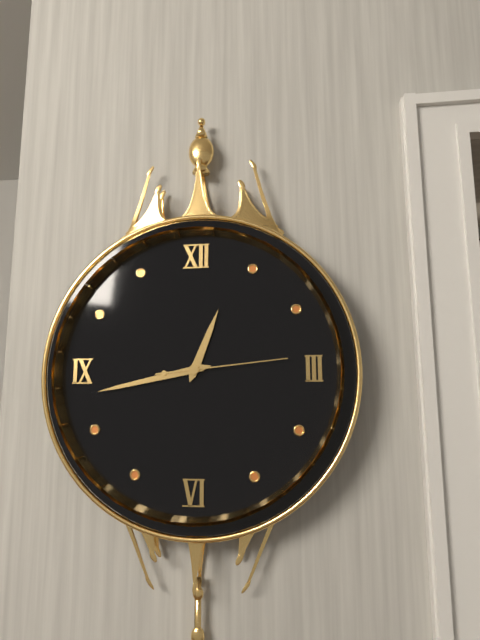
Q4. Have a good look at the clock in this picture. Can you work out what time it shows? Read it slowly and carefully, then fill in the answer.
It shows 12:43:14
